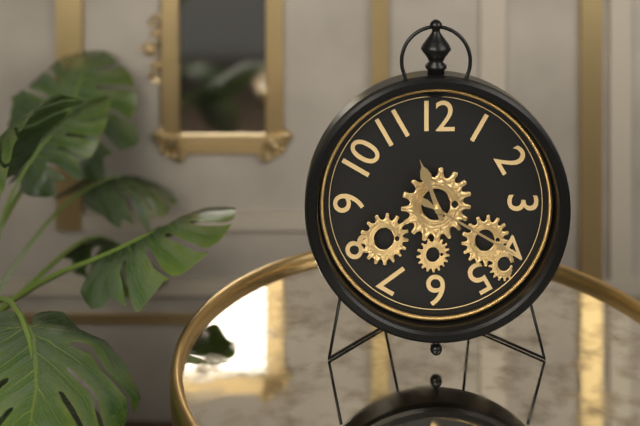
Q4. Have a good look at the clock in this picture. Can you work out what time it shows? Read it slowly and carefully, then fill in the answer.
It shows 11:20
